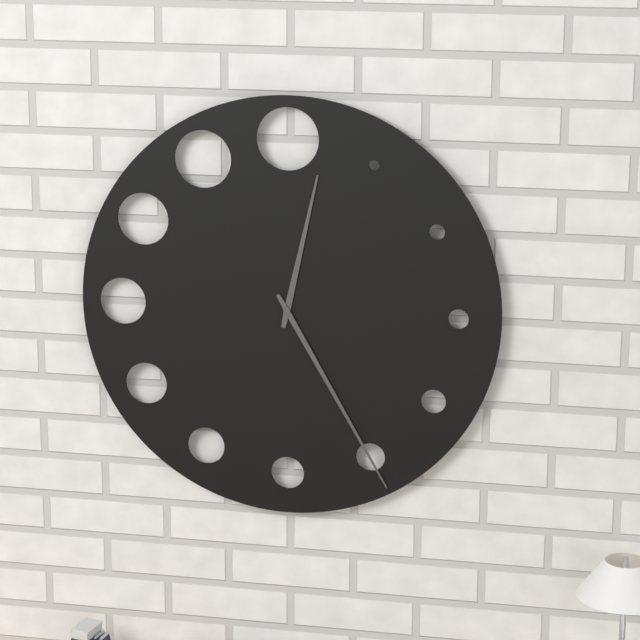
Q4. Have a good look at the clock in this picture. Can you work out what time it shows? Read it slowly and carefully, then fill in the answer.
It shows 12:25
